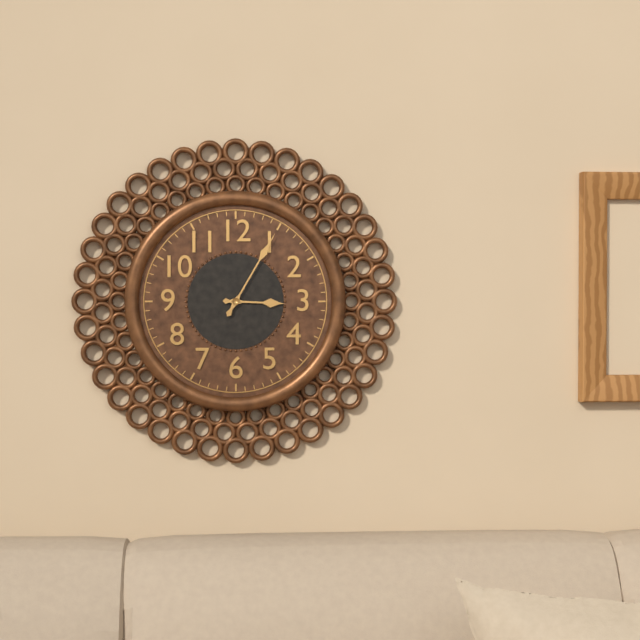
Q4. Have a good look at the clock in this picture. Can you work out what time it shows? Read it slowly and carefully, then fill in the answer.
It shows 3:05
